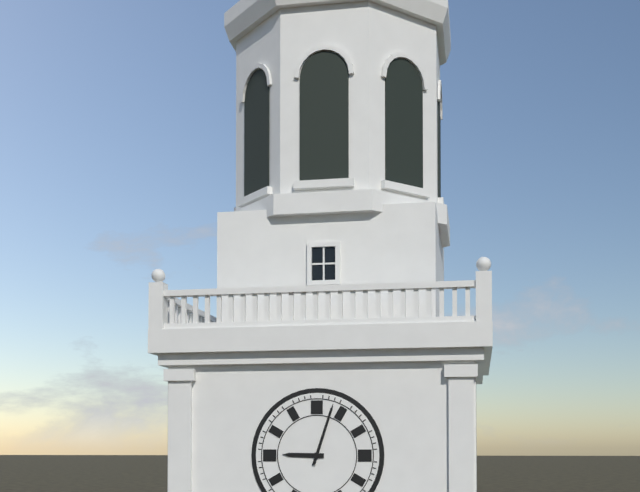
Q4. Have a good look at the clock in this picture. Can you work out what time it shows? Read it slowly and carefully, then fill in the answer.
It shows 9:03
